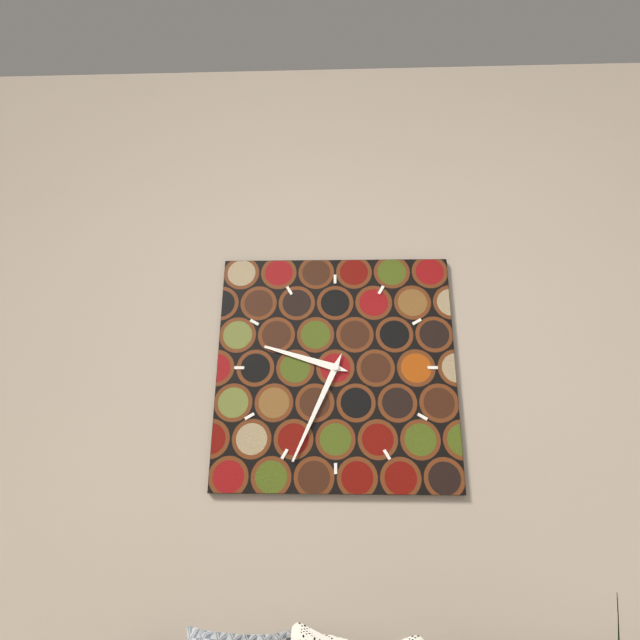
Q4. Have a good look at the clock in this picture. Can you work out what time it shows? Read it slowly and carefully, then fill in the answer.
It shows 9:34
